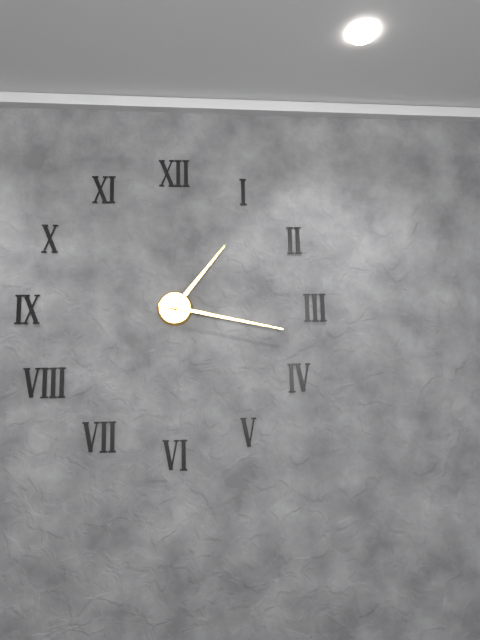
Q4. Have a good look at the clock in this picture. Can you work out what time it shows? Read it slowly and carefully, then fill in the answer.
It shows 1:17
